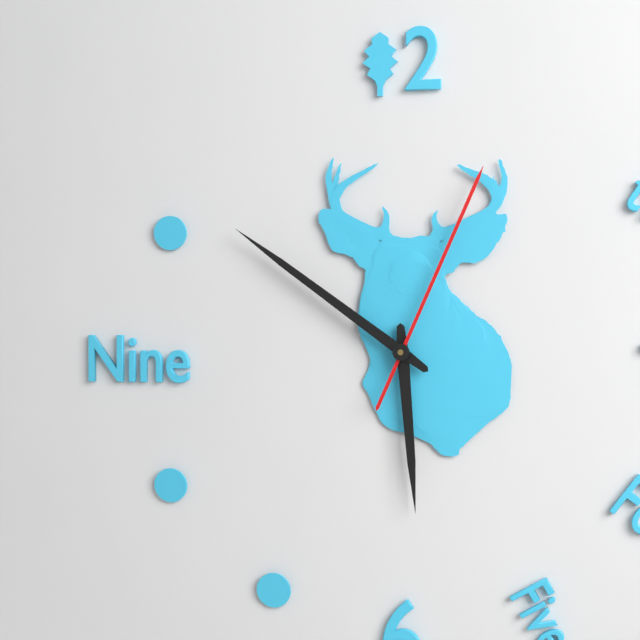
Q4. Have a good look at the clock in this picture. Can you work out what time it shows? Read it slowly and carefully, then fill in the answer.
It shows 5:51:04
